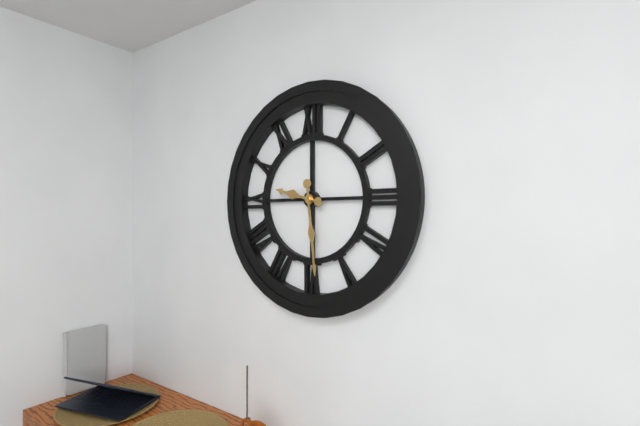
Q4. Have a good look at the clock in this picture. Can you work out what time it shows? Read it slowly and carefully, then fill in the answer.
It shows 9:29
